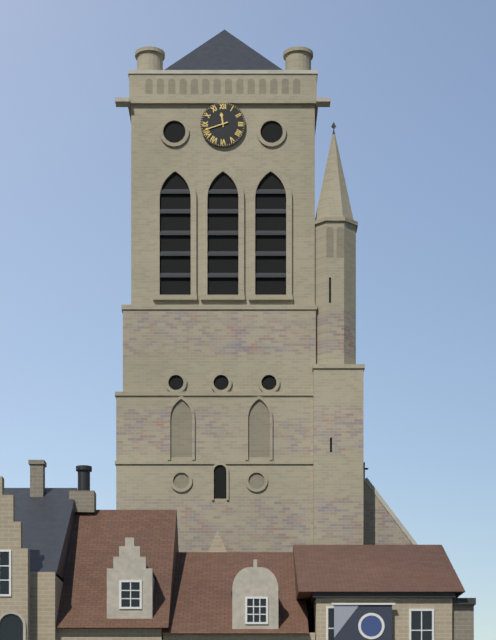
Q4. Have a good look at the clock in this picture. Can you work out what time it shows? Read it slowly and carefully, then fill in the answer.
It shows 11:42
